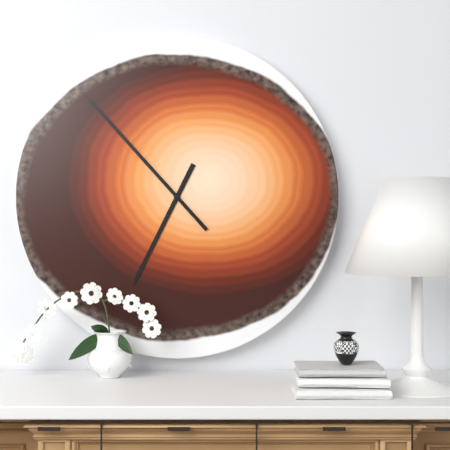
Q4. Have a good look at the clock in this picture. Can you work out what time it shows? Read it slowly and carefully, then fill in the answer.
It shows 6:53
